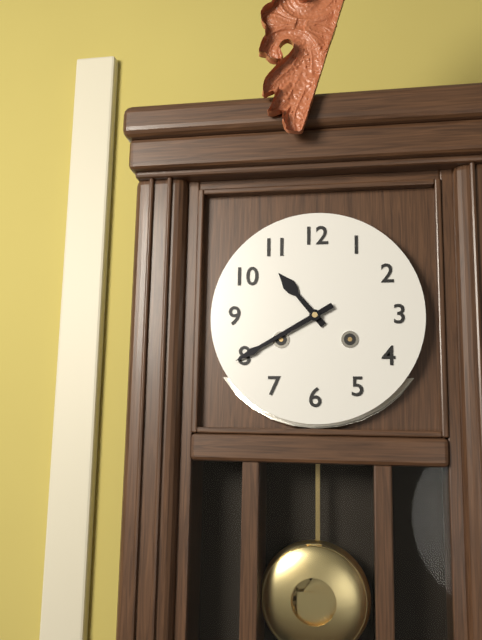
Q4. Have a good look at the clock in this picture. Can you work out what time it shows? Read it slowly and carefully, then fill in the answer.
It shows 10:40
